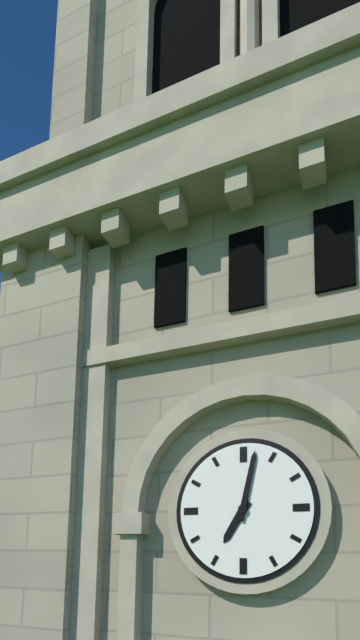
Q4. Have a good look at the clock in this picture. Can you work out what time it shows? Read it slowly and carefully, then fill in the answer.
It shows 7:02
